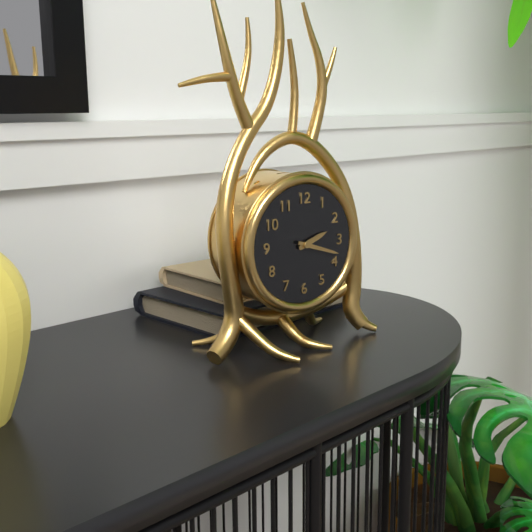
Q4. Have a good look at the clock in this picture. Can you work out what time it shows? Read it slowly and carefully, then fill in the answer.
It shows 2:18
